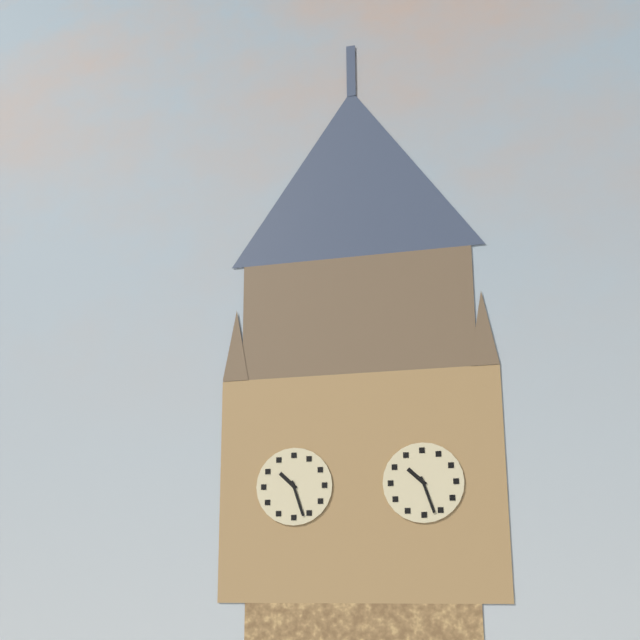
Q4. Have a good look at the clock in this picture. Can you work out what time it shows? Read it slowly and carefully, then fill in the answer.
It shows 10:27
